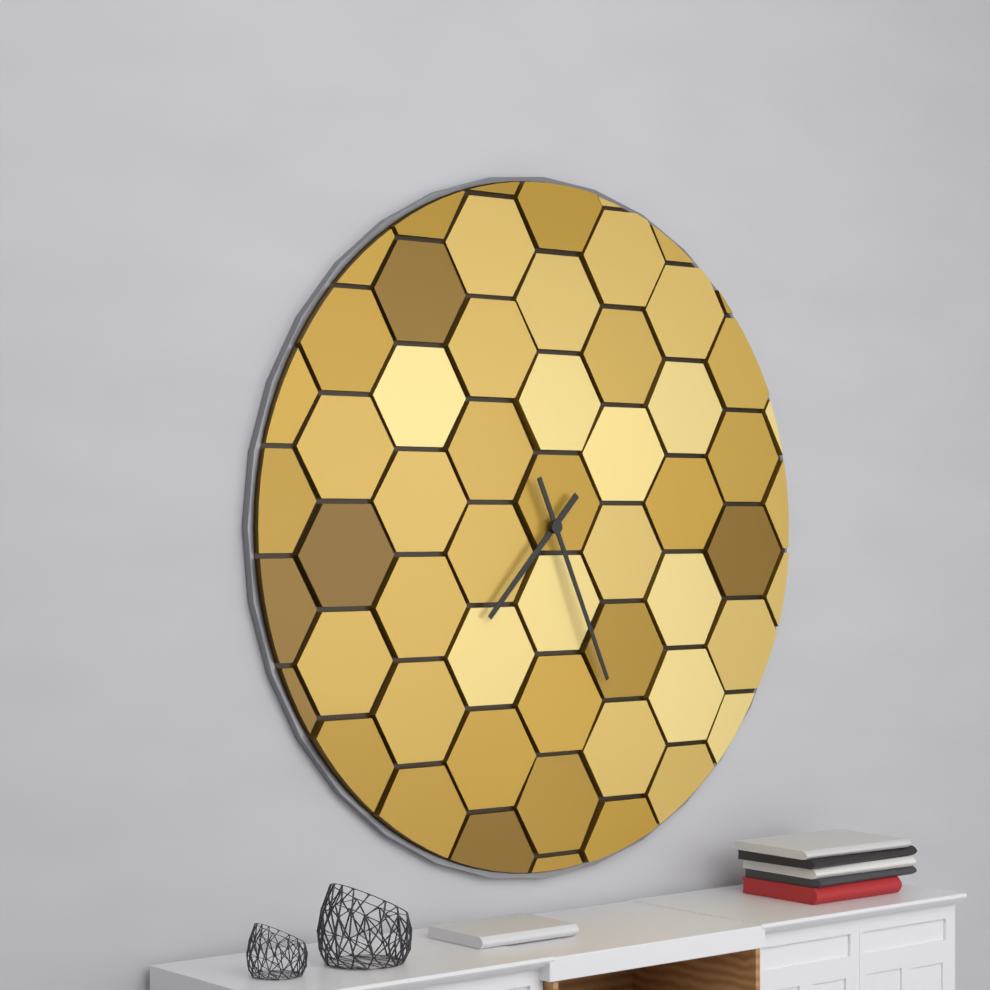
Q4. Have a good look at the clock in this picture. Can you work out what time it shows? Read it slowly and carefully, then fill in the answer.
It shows 7:26
